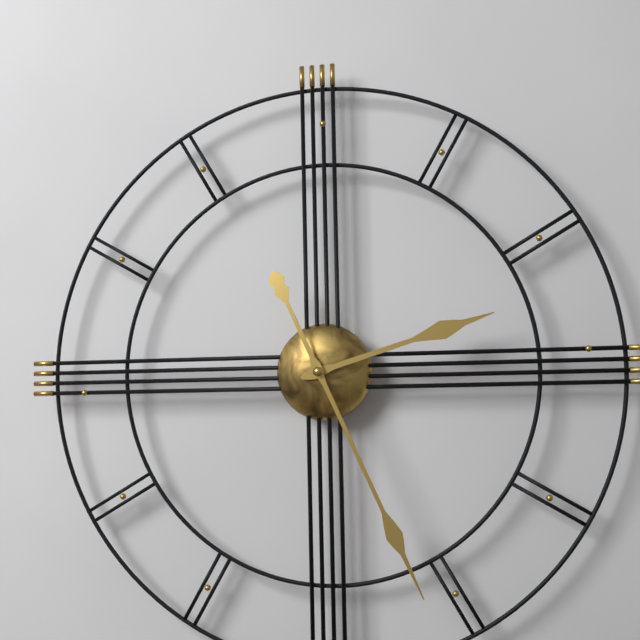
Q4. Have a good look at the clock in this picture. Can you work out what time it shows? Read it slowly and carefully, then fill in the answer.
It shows 2:26
